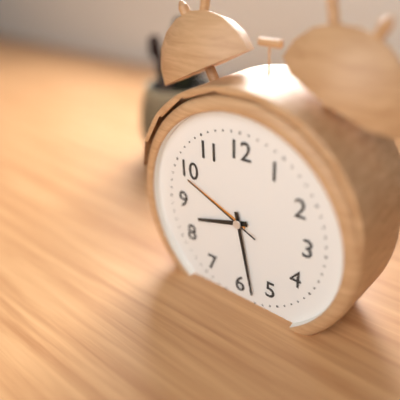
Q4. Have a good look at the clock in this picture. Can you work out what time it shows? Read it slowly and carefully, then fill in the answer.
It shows 8:28:49
